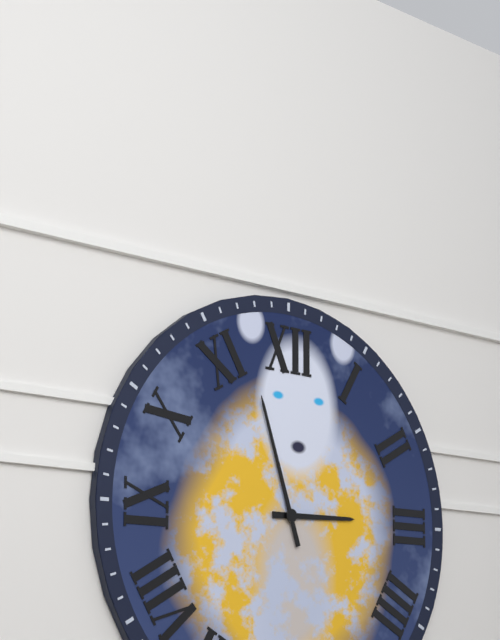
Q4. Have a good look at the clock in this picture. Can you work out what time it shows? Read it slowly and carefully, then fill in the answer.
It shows 2:57
